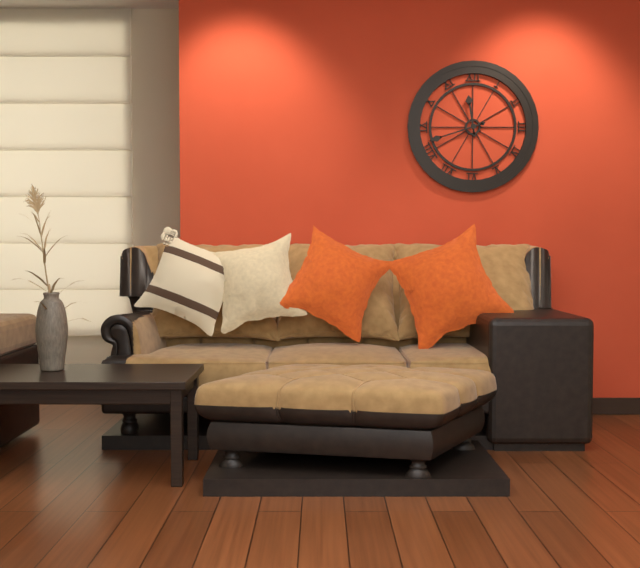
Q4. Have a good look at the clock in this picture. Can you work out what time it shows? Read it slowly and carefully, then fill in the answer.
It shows 11:42
